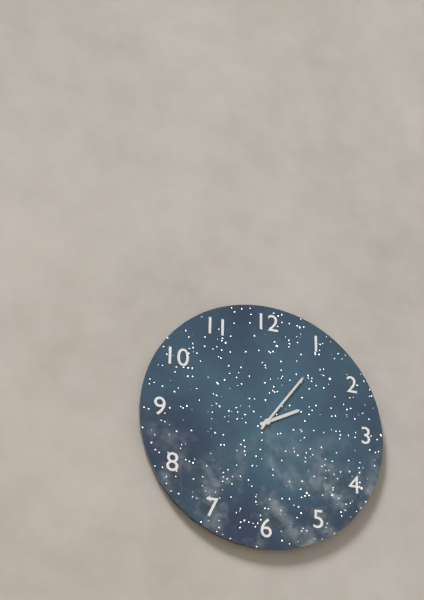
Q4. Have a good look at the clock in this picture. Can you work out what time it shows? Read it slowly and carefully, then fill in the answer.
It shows 2:06
